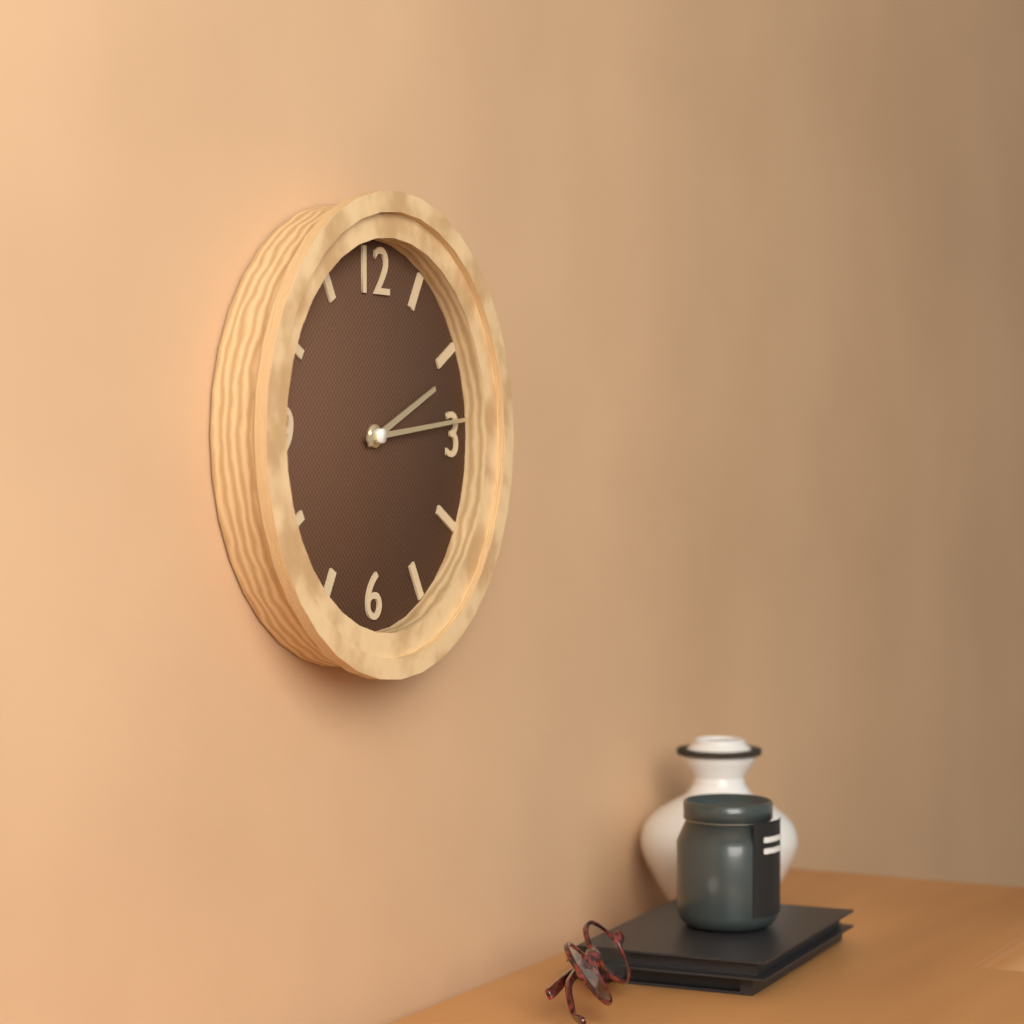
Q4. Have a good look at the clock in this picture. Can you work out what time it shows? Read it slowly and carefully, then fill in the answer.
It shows 2:14
